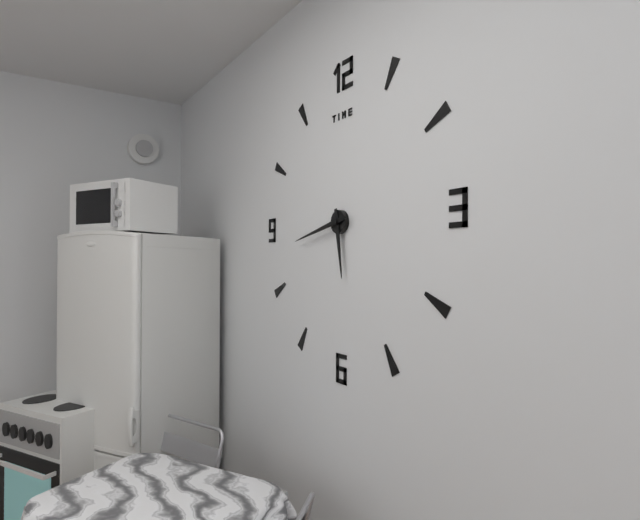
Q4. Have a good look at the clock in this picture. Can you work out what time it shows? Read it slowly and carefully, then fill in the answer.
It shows 5:43
